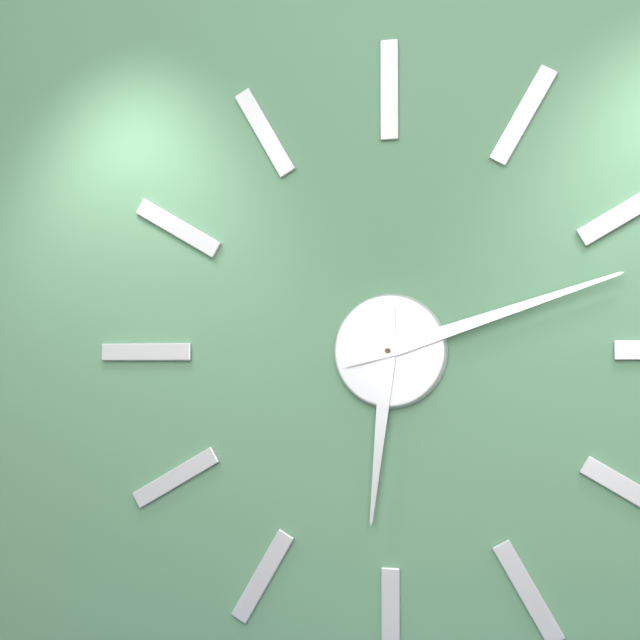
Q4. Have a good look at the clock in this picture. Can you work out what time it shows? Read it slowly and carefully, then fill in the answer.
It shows 6:12
